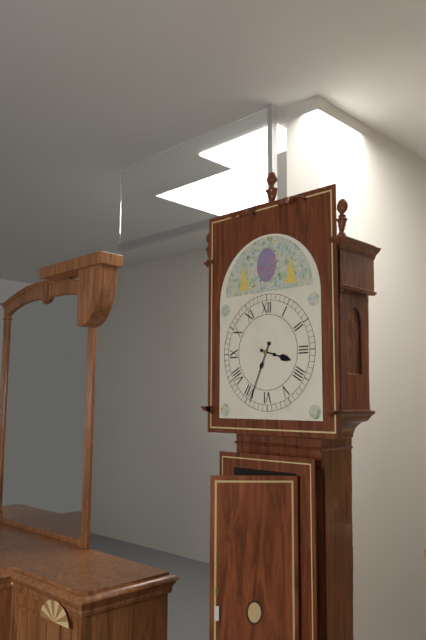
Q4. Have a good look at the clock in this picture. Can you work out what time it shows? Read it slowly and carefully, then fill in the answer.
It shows 3:34
